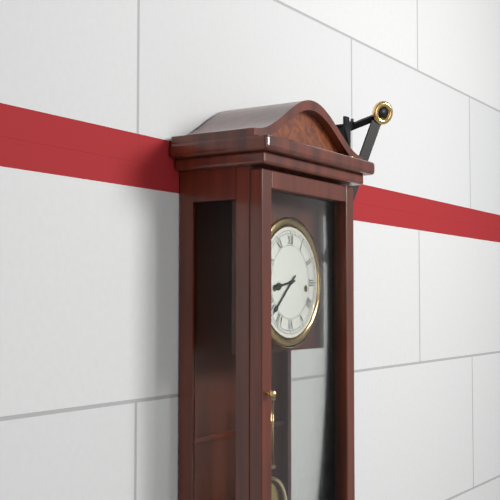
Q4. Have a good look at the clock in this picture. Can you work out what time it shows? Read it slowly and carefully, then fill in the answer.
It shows 8:38
